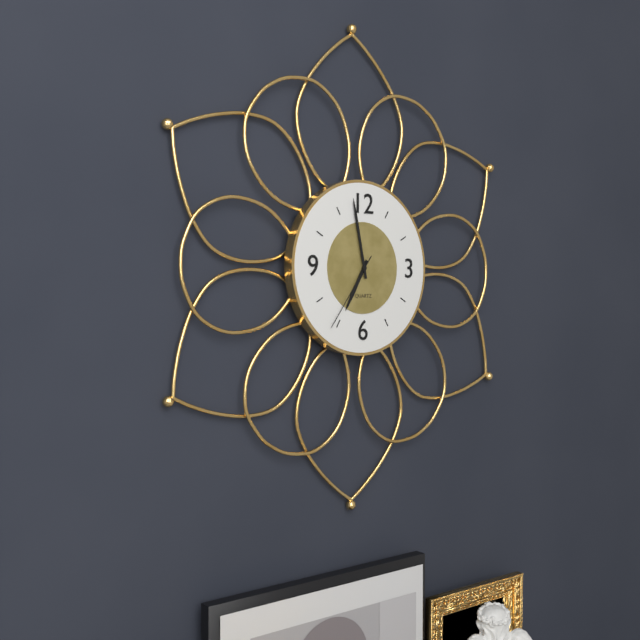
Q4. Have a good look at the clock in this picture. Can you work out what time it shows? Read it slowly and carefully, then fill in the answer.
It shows 6:58:36
